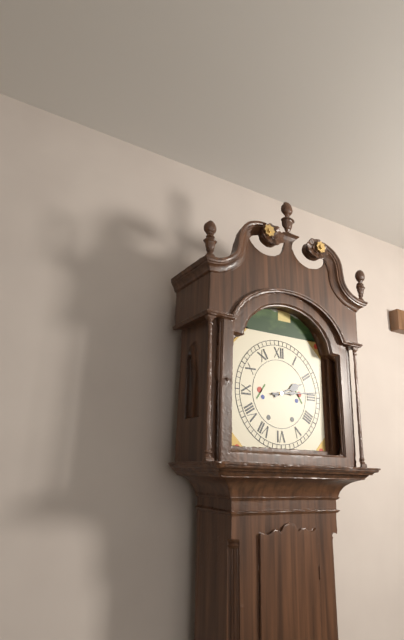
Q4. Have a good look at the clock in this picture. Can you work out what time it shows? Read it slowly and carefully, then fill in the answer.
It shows 2:14
